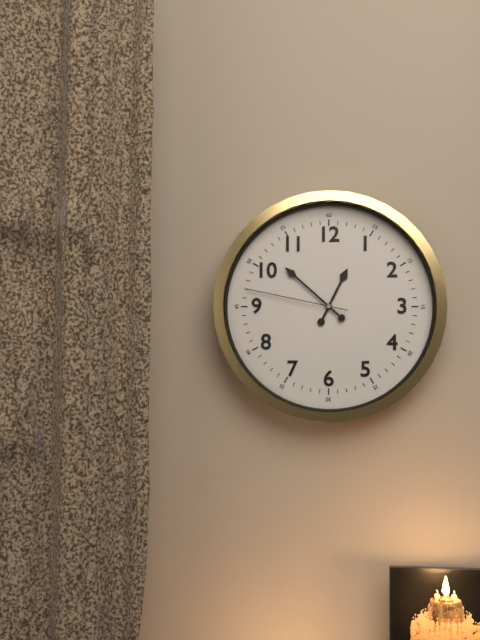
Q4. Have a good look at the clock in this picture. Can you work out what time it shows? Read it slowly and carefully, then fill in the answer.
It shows 12:52:47
